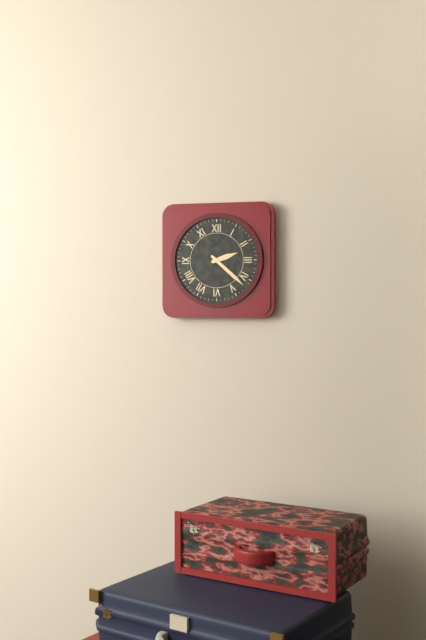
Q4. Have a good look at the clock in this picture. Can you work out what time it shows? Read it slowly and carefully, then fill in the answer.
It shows 2:22
